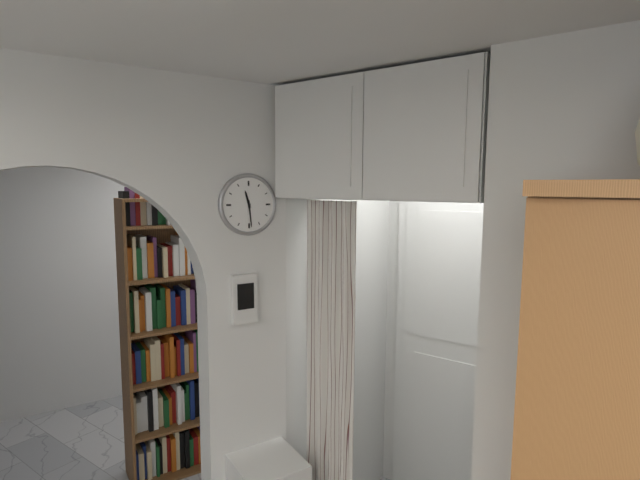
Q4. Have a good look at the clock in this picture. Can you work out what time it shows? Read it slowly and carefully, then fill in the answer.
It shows 11:29
